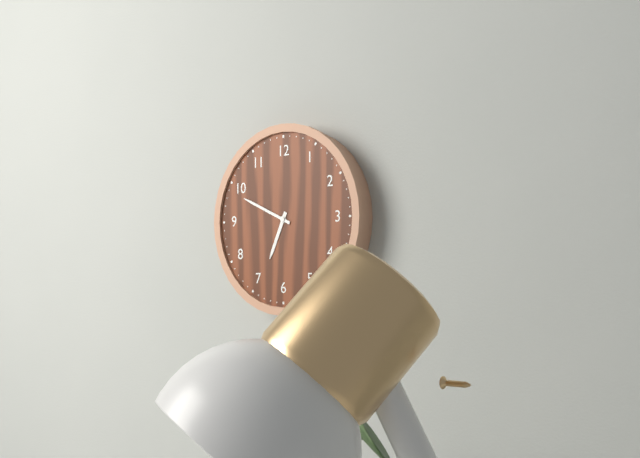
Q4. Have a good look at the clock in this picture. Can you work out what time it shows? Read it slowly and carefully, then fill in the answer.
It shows 6:49
